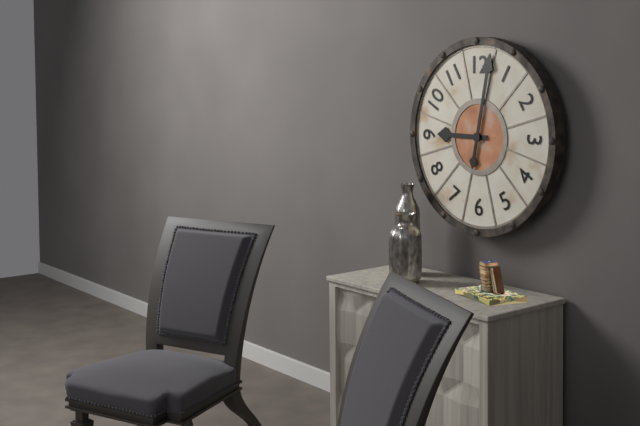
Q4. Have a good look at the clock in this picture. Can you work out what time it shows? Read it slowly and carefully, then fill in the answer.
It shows 9:02
